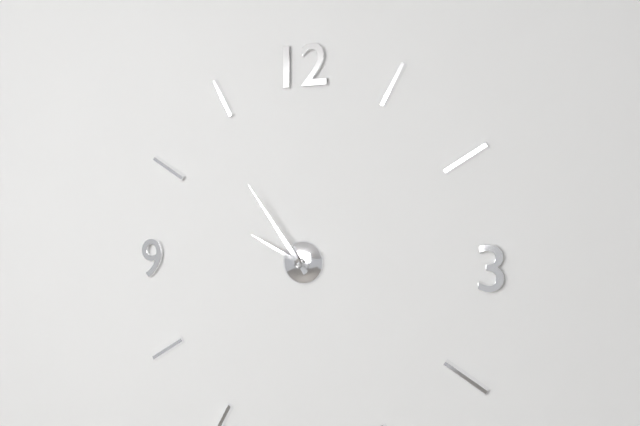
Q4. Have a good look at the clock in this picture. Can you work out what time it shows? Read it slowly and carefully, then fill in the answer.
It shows 9:54
